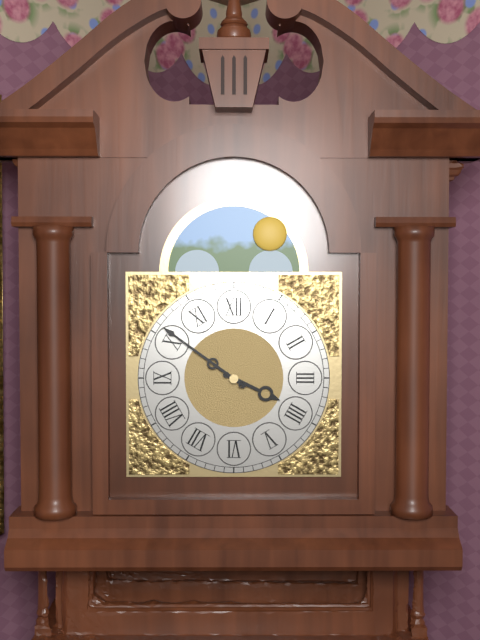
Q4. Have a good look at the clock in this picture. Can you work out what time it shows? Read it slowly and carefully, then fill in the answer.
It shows 3:51
